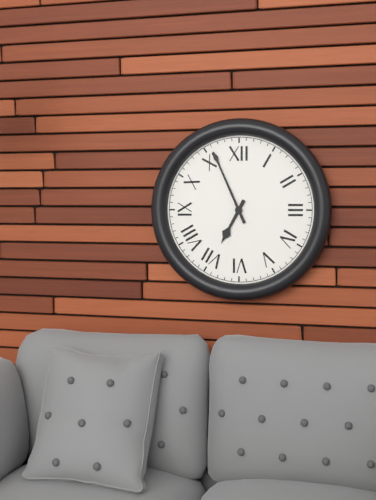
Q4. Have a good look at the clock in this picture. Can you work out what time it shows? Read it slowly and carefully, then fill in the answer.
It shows 6:56
